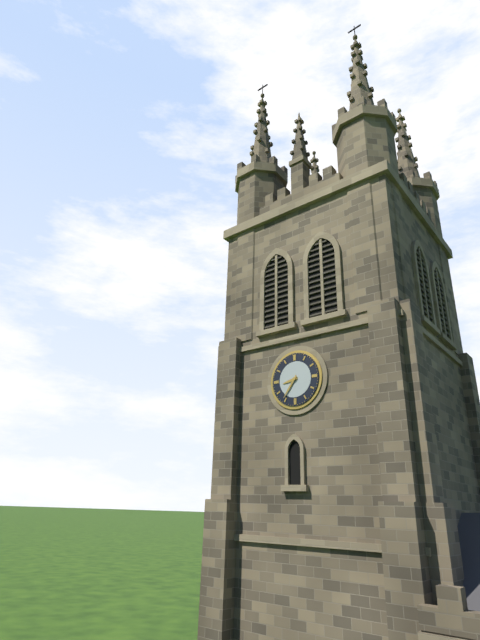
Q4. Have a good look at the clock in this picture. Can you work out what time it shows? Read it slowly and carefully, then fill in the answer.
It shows 8:36
